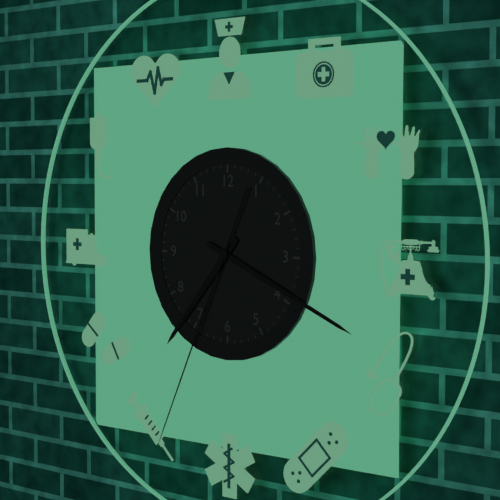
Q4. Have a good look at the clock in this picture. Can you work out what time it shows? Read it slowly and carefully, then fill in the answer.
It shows 7:19:34
